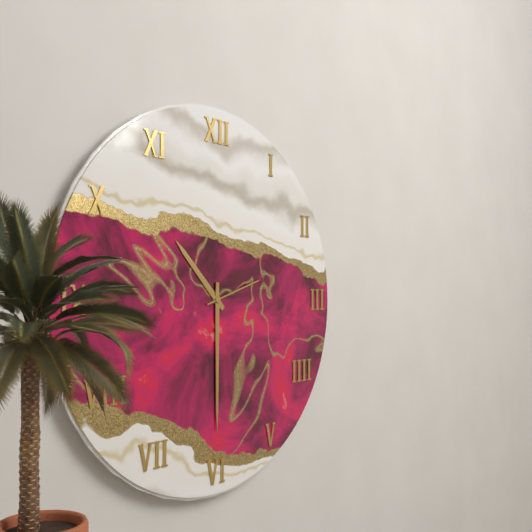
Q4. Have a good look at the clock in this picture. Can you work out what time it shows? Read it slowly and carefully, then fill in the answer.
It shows 10:30:12
